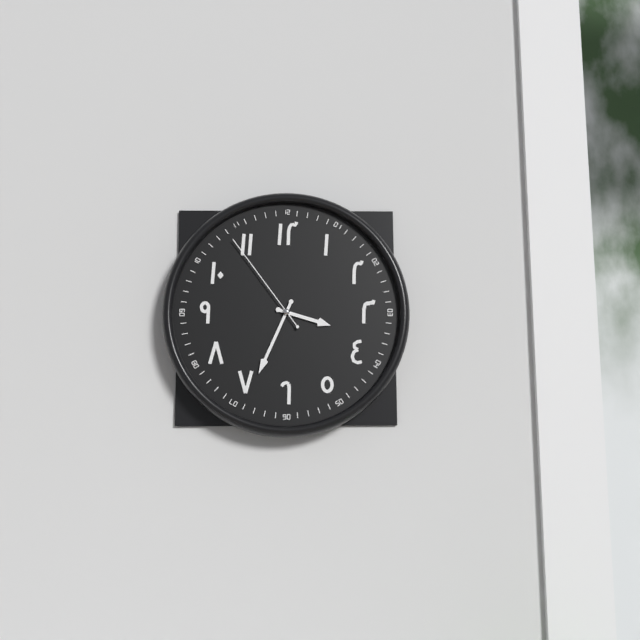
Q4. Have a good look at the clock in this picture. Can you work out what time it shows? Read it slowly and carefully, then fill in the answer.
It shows 3:34:54
